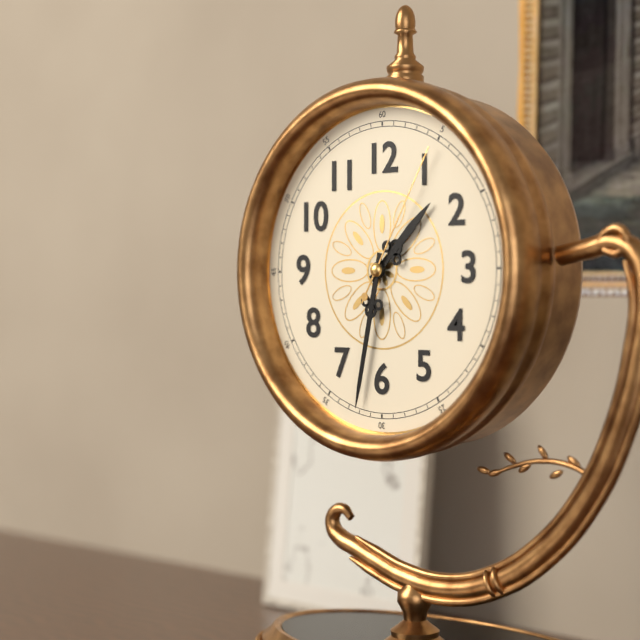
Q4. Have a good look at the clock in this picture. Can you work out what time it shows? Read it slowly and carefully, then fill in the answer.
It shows 1:32:05
